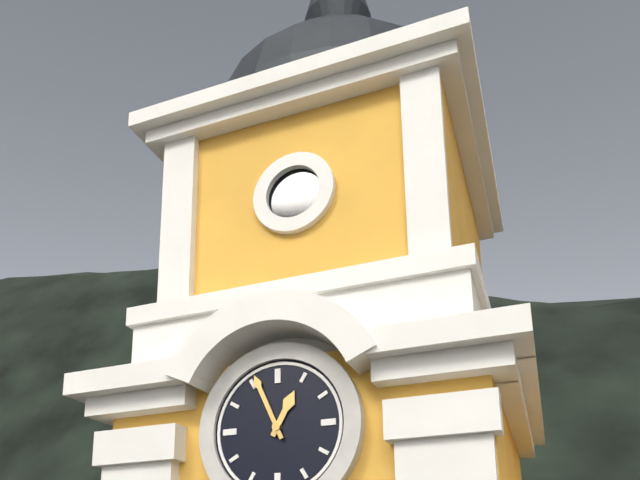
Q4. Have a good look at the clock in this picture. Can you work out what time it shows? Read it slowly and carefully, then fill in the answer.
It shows 12:56
